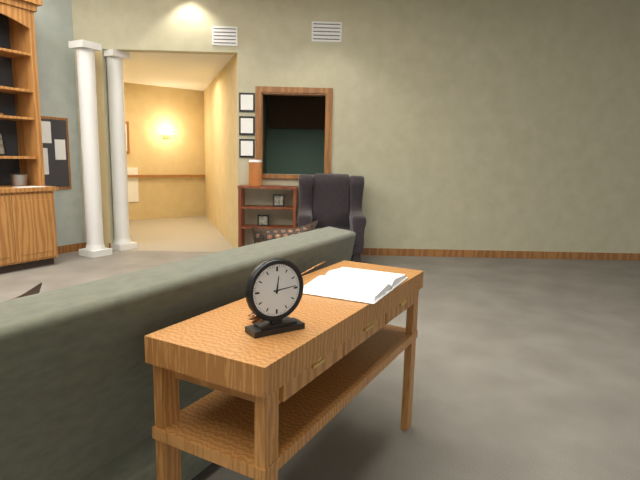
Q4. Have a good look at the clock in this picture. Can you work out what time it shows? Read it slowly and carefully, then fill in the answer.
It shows 12:14
